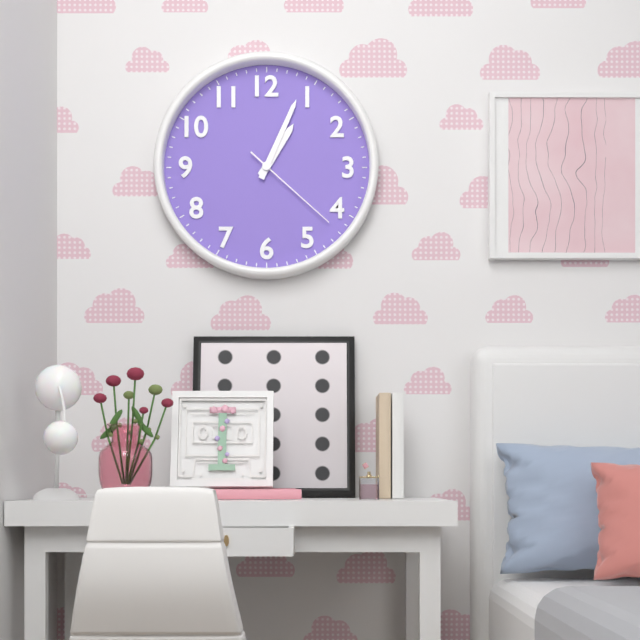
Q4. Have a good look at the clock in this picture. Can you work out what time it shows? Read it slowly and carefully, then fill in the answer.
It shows 1:04:22
